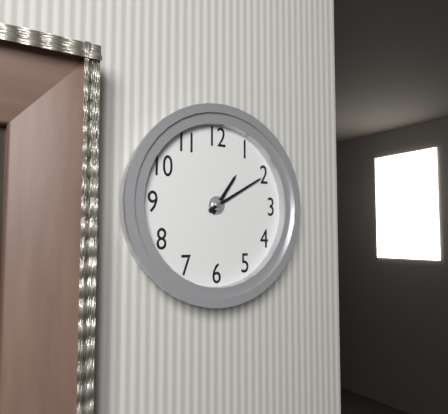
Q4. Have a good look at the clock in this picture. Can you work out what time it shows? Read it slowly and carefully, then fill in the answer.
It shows 1:10
